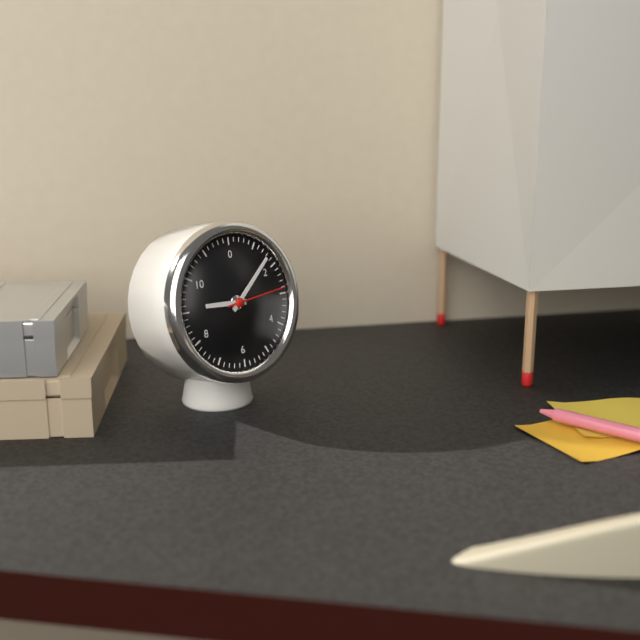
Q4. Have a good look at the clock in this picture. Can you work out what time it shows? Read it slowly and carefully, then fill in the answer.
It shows 9:08:14
